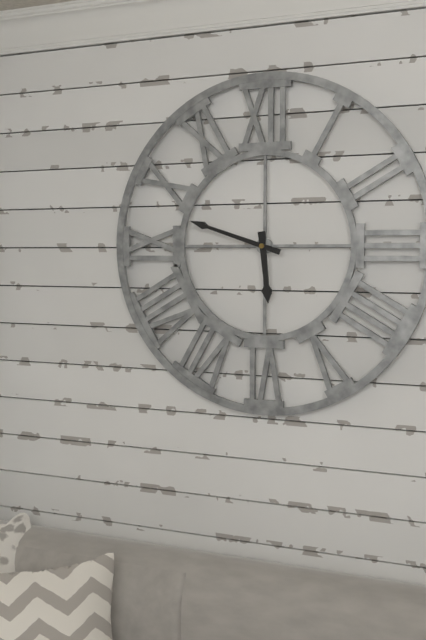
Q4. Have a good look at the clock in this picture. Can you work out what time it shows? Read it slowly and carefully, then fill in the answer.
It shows 5:48
